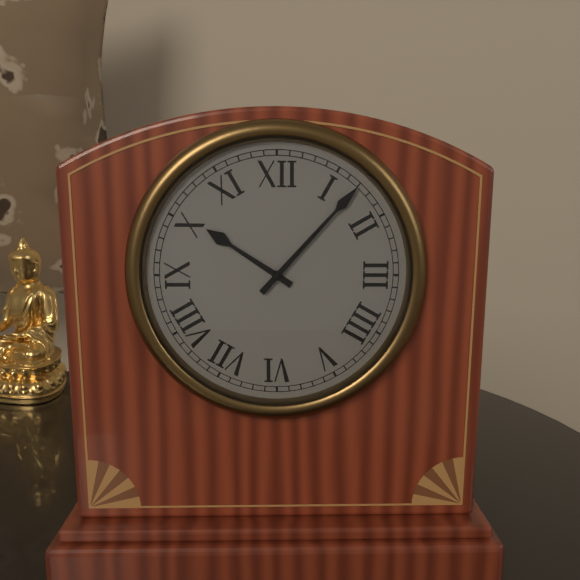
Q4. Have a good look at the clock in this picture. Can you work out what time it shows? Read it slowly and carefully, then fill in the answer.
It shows 10:07
